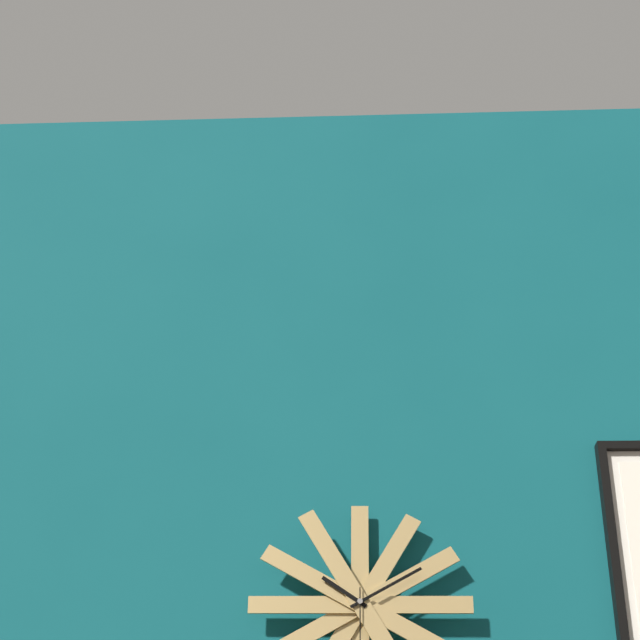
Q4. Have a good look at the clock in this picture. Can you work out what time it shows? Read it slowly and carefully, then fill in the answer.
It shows 10:10
